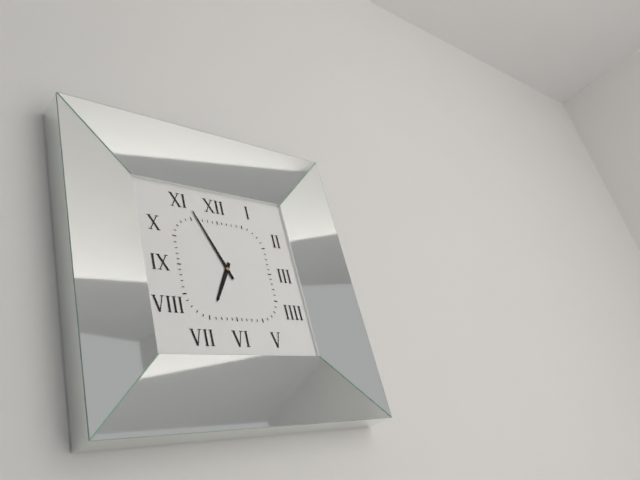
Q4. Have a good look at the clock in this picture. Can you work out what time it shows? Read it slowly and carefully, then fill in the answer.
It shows 6:56
